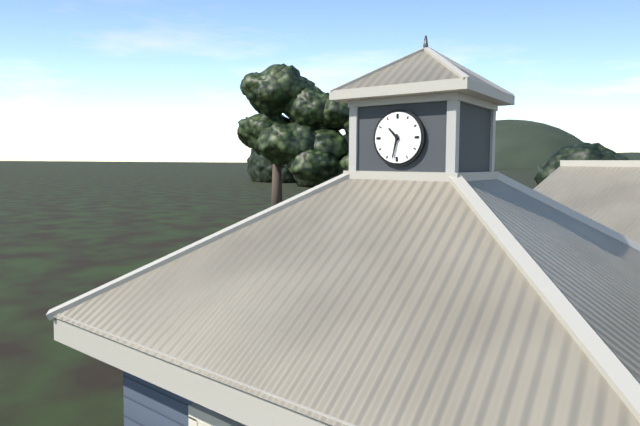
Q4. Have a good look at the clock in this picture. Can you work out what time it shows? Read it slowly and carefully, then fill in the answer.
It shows 10:32
